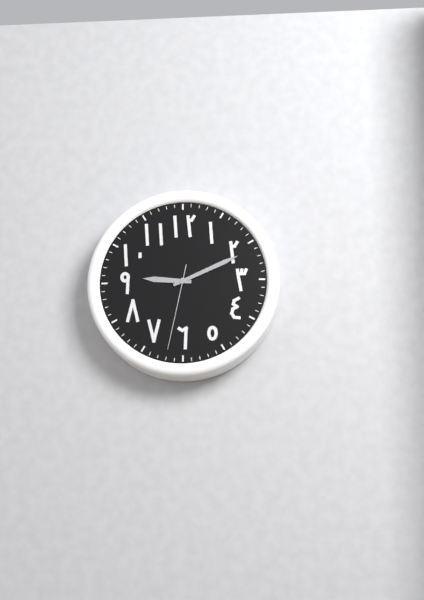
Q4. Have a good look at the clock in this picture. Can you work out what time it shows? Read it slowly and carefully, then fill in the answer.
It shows 9:11:32
